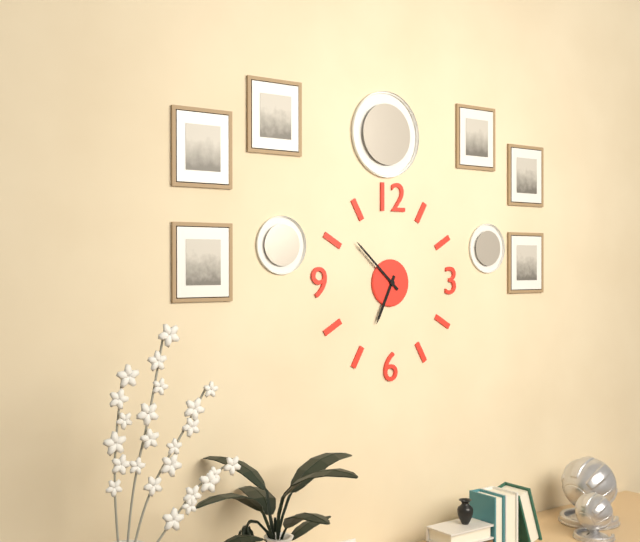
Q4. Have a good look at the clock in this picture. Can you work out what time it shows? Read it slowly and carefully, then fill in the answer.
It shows 6:52
